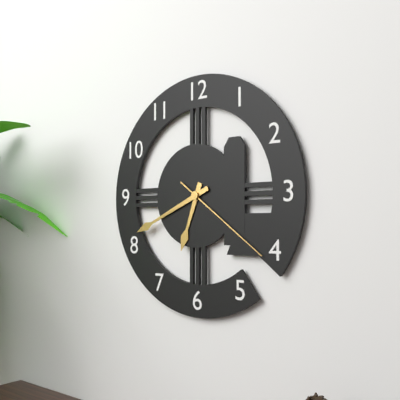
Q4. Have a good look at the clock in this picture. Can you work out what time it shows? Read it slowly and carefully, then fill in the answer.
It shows 6:41:21
